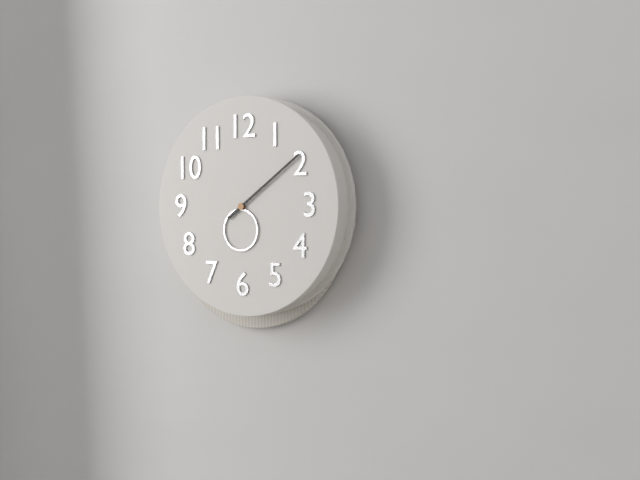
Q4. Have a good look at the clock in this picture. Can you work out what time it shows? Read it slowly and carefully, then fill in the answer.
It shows 6:09
